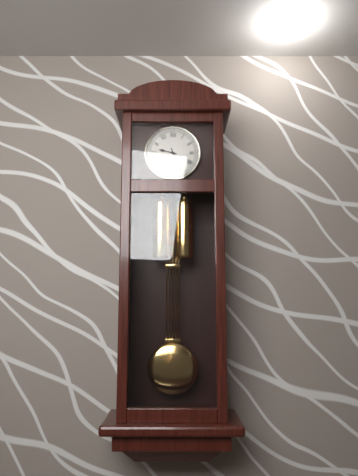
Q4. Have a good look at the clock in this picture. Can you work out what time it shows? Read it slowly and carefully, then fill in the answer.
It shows 9:27
